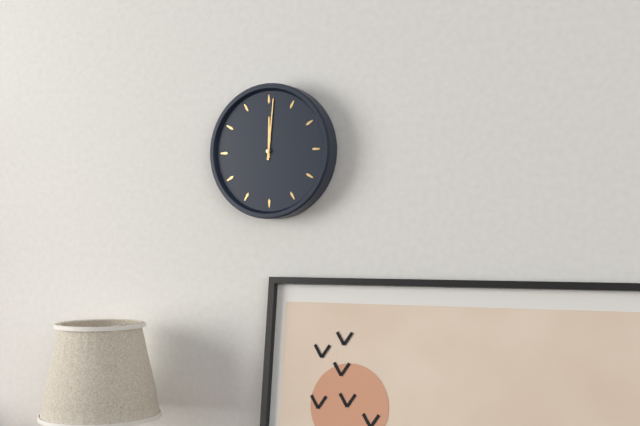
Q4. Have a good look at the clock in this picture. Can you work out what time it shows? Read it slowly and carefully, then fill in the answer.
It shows 12:01
